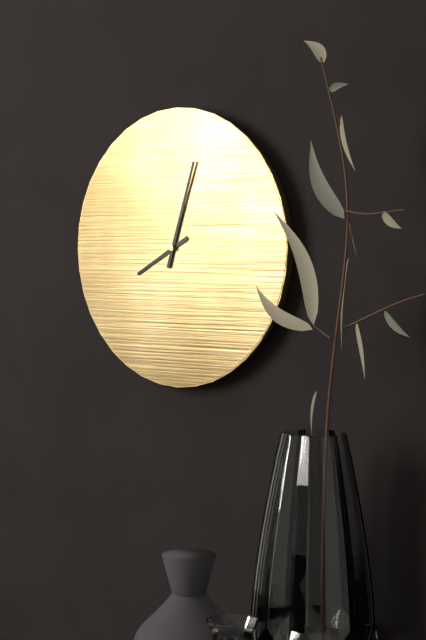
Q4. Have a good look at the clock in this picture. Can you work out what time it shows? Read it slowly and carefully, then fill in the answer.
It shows 8:03
